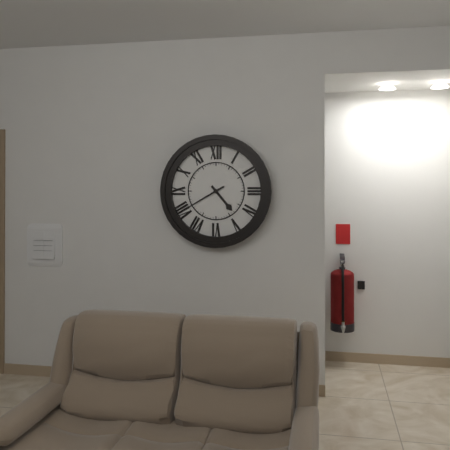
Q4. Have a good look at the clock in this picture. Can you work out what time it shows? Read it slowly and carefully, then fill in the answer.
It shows 4:40
